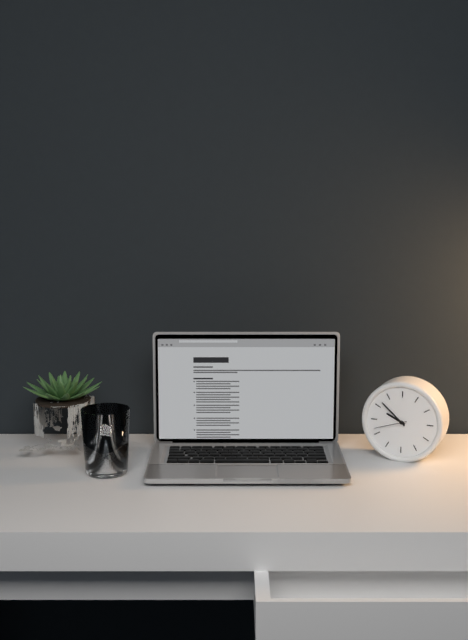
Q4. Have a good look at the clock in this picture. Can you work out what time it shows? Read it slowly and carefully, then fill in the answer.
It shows 9:52
